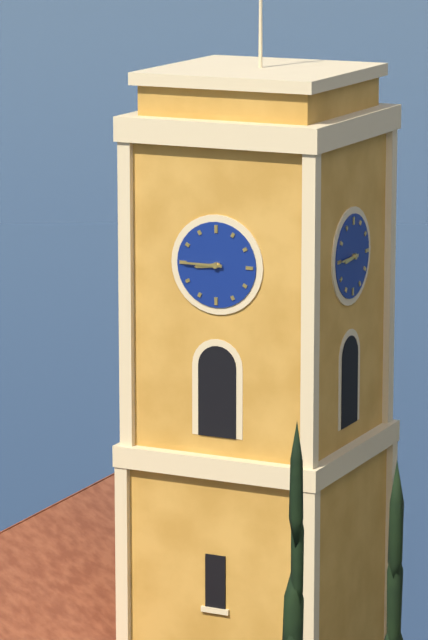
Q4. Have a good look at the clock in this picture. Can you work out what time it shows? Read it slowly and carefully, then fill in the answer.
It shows 8:45
